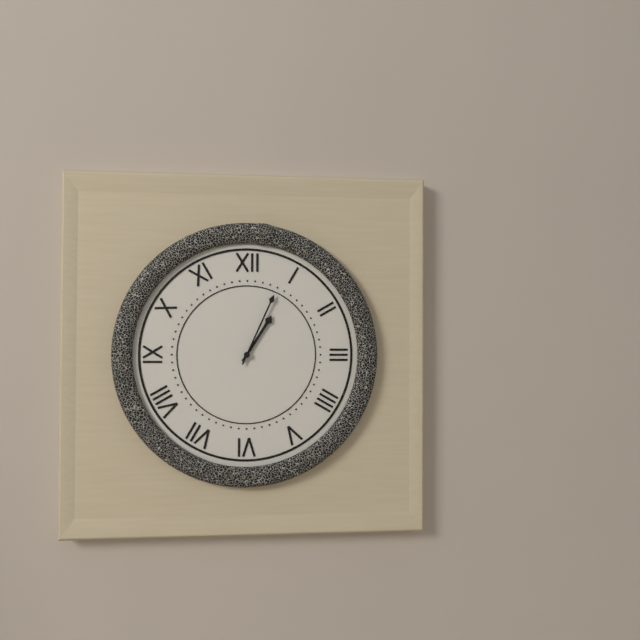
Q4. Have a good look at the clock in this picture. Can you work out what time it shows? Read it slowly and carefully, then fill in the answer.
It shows 1:04
